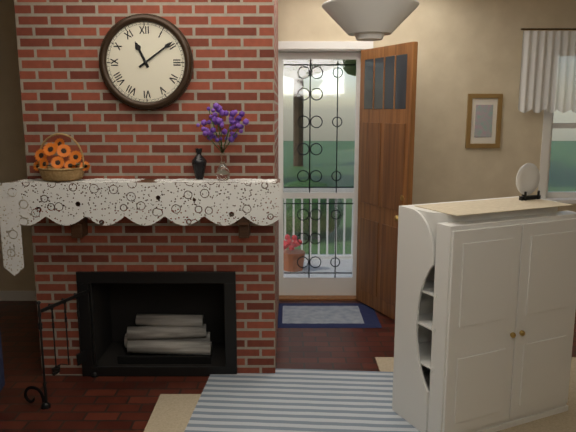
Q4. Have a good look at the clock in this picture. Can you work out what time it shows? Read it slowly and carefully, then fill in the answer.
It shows 11:09
